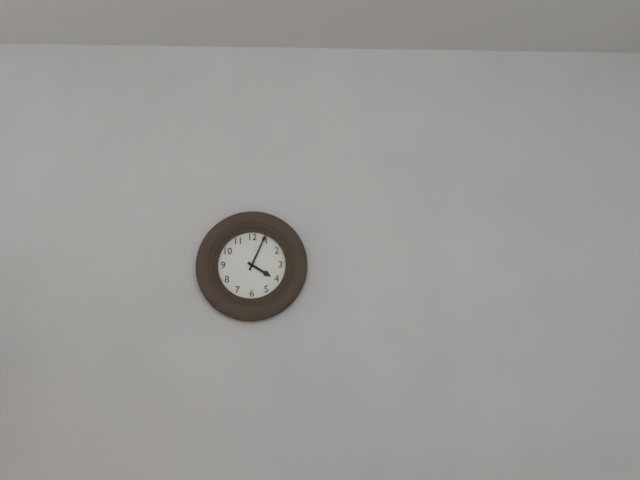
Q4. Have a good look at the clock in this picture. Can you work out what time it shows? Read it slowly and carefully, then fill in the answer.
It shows 4:04
